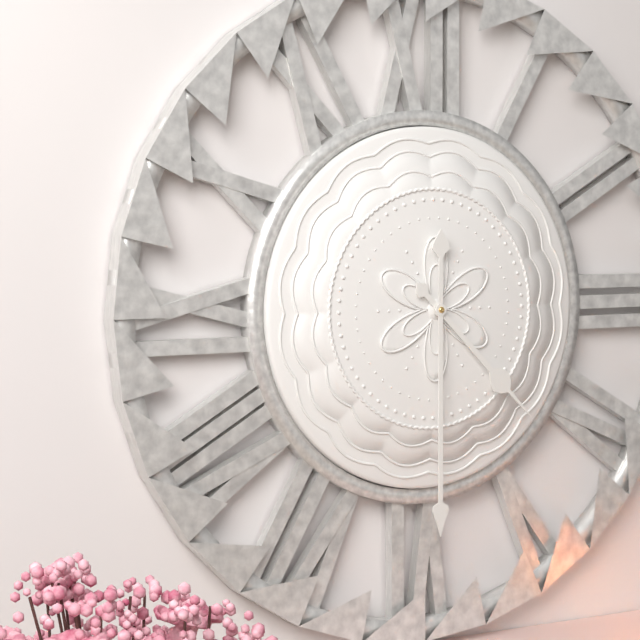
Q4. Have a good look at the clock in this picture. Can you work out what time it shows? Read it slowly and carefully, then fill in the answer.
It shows 4:30
